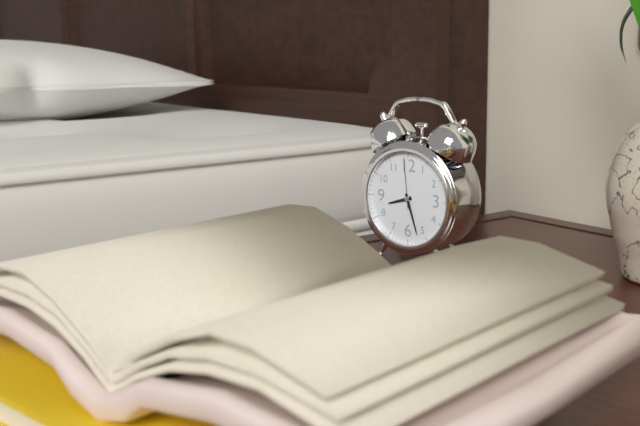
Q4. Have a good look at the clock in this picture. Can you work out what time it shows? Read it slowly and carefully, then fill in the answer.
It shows 8:27:59
